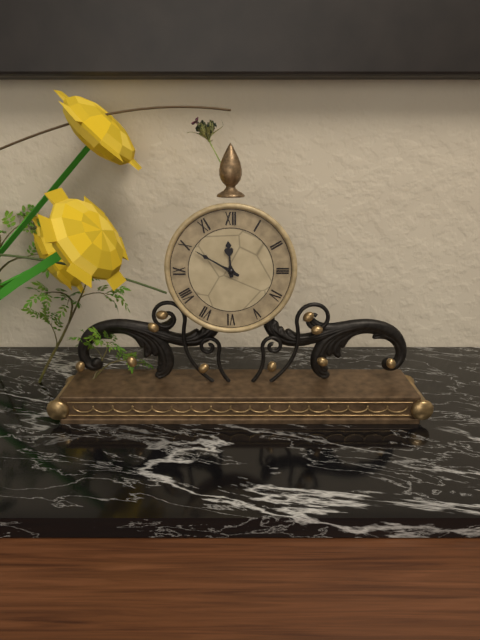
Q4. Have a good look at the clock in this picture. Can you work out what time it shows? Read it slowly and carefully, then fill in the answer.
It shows 11:50
